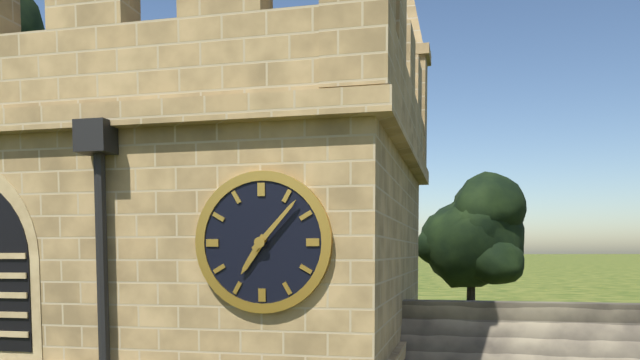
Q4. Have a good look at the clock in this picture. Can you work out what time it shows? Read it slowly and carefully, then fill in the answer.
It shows 7:07
